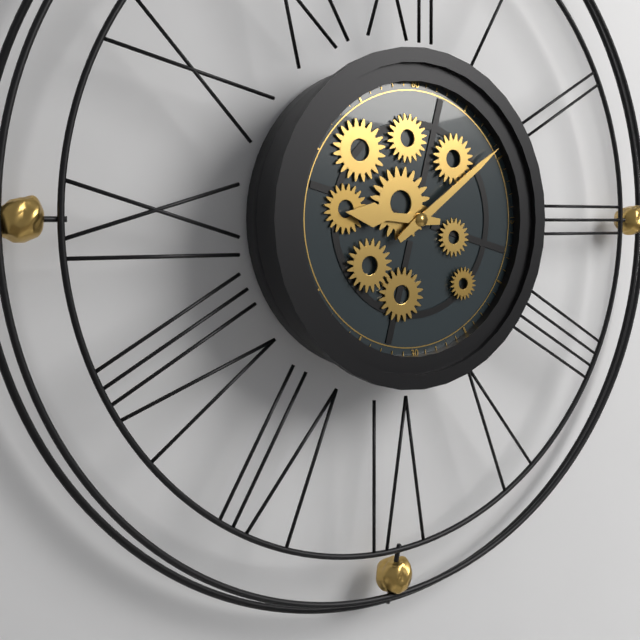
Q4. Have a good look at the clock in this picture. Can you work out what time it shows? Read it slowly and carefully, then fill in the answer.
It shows 9:09
